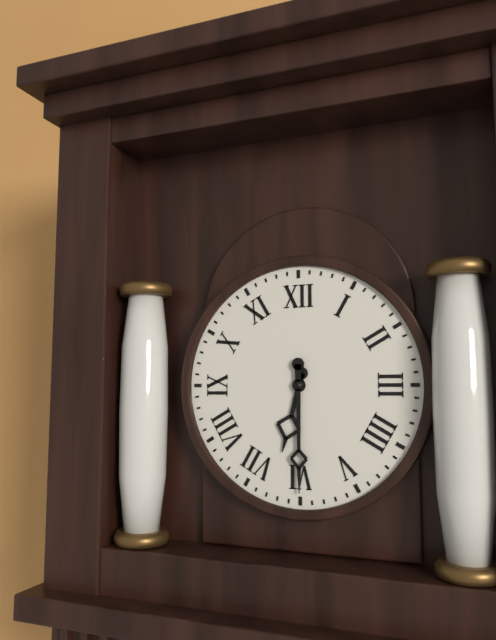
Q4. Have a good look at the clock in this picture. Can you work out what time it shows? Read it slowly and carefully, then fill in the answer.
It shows 6:30
